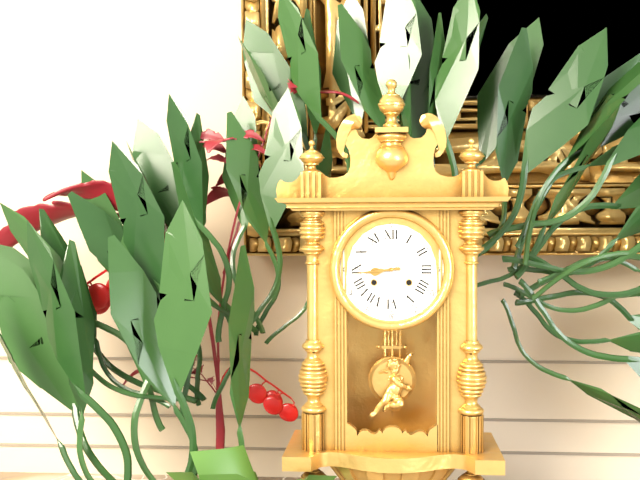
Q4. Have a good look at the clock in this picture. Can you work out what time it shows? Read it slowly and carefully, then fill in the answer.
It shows 8:44
